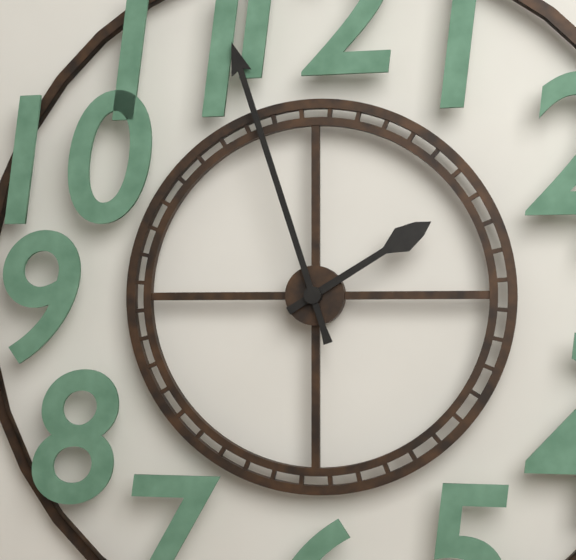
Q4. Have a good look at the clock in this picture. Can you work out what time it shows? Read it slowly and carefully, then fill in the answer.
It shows 1:57
